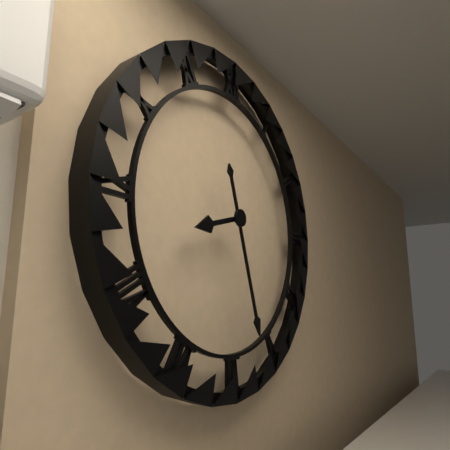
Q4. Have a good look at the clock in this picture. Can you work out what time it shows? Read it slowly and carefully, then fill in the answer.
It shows 8:27
